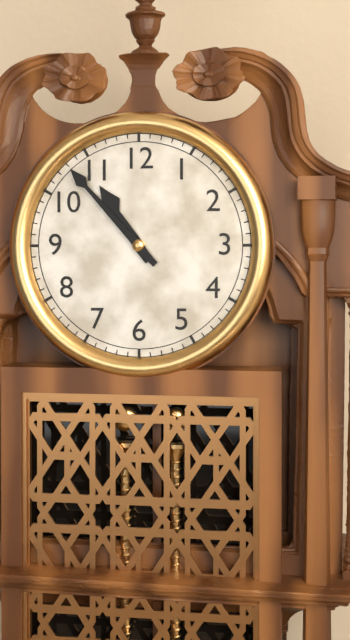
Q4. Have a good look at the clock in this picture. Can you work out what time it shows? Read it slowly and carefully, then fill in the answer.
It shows 10:53
